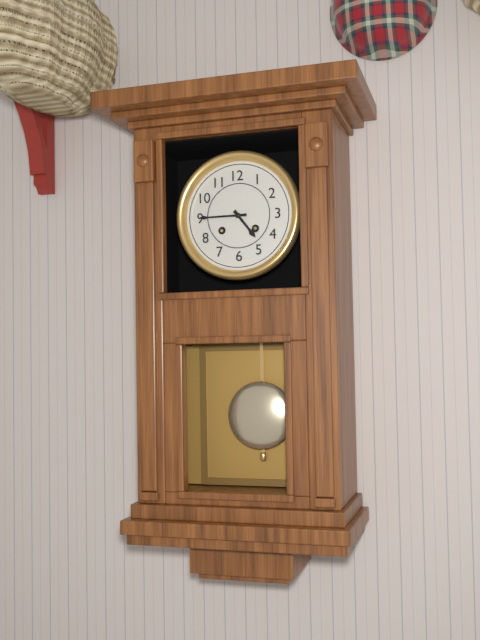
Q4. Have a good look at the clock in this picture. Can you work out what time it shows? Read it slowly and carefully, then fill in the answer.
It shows 4:45
